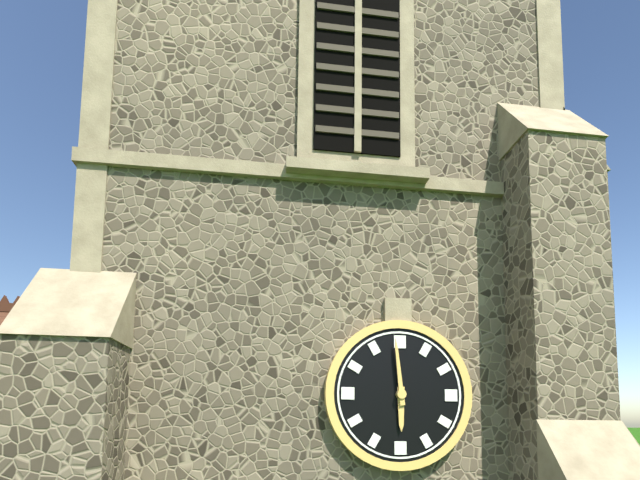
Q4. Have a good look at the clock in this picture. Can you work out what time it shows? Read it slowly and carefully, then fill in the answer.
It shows 5:59
